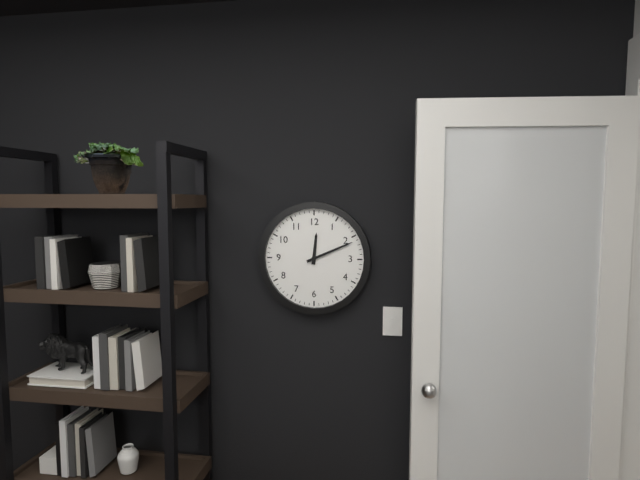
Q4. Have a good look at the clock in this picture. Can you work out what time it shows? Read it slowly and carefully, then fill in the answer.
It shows 12:11
